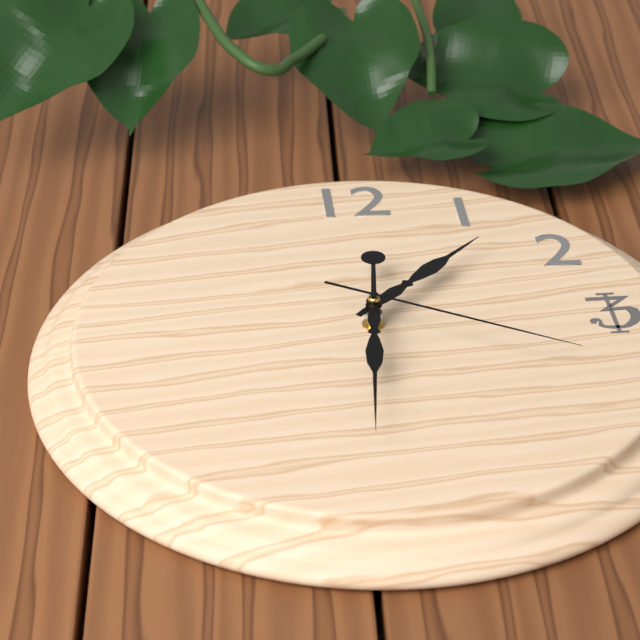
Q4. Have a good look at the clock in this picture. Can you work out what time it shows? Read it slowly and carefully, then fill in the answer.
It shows 1:31:20
